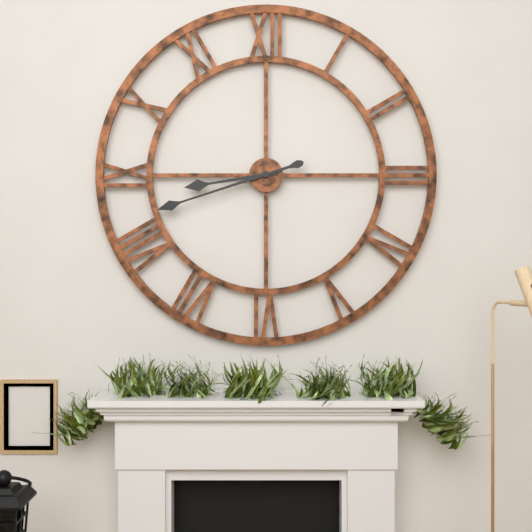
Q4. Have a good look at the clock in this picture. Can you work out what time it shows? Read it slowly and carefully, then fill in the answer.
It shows 8:42
